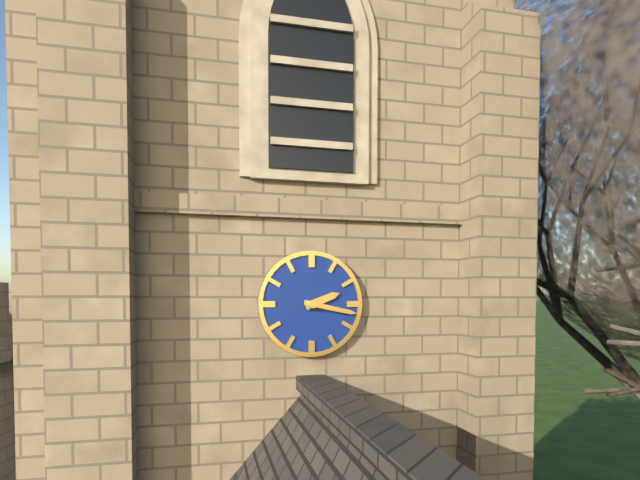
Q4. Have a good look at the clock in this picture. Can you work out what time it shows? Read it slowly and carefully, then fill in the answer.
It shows 2:17
